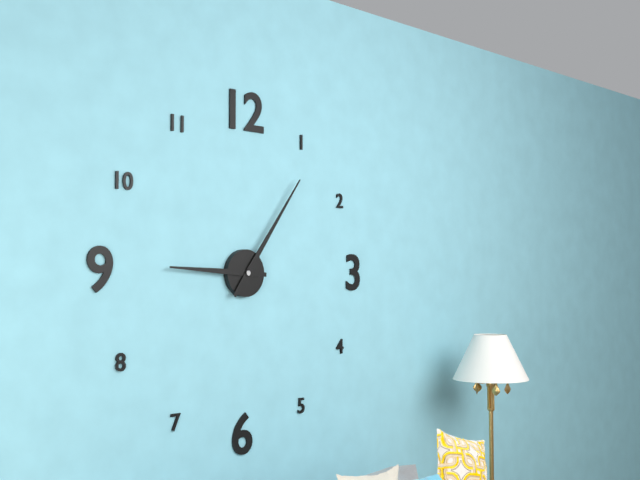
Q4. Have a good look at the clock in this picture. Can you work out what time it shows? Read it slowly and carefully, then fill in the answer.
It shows 9:06
